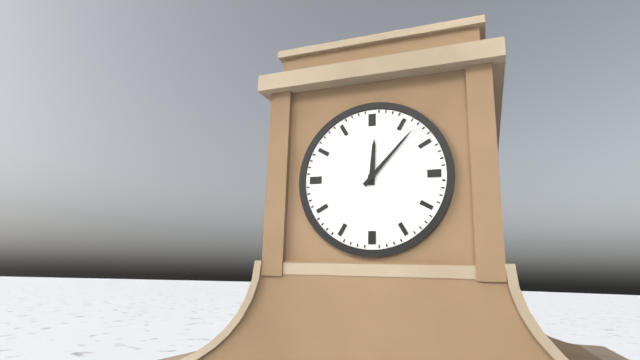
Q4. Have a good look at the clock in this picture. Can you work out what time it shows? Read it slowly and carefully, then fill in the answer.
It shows 12:07
